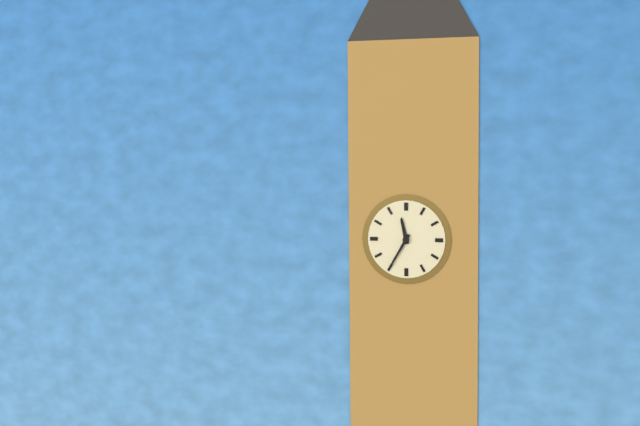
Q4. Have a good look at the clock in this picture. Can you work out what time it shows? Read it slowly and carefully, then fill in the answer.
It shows 11:35
